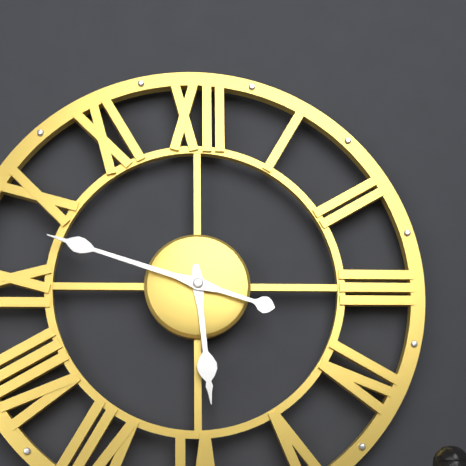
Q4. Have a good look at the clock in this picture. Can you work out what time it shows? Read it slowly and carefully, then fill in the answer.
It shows 5:48
